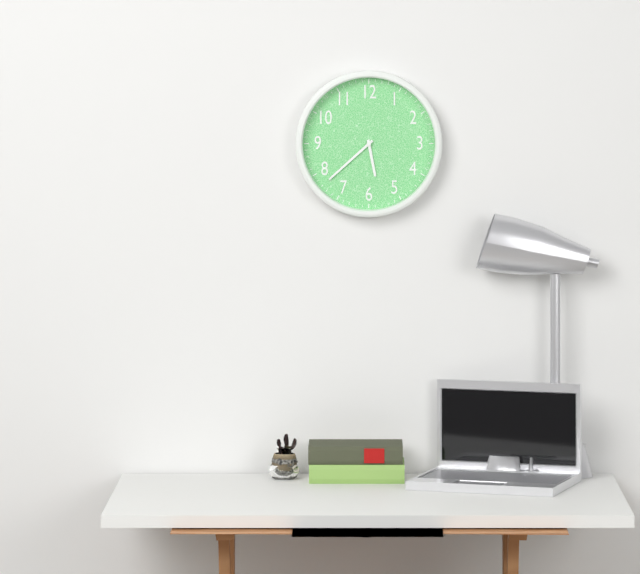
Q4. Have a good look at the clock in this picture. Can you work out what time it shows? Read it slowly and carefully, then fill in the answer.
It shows 5:38
